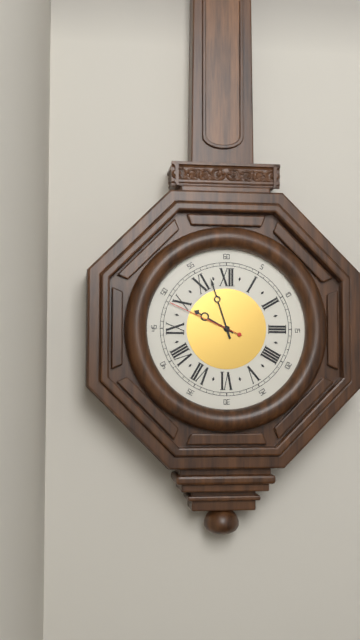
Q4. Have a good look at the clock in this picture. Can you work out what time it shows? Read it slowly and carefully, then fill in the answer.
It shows 9:57:49
